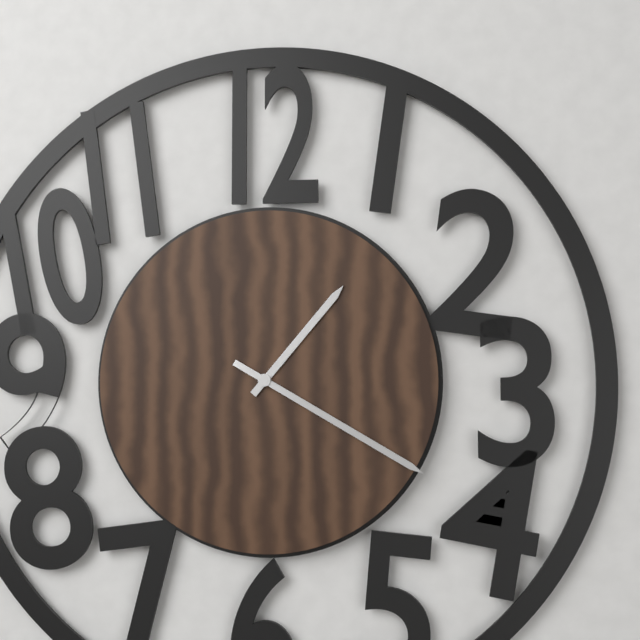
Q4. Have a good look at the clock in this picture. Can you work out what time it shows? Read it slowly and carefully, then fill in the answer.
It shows 1:20
